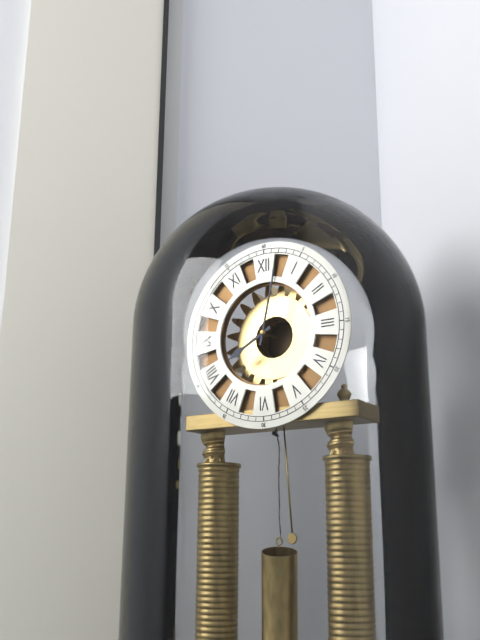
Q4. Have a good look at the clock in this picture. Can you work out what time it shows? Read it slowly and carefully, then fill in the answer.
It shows 8:02
